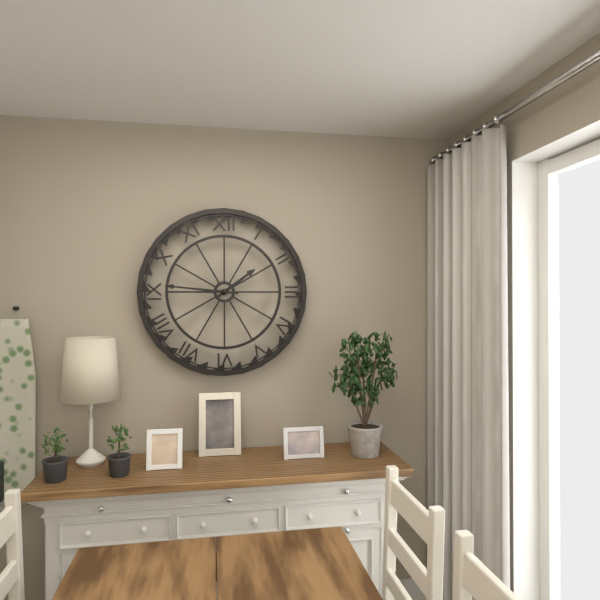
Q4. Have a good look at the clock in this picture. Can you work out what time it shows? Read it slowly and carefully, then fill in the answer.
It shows 1:46
